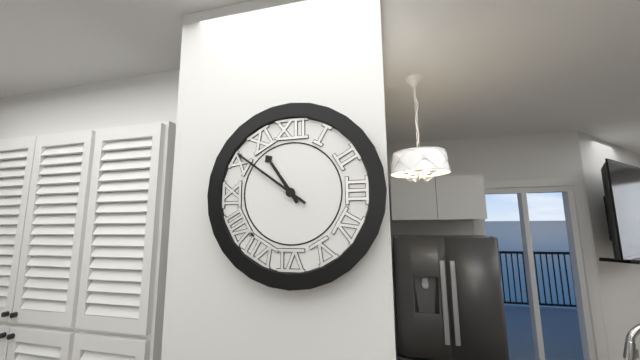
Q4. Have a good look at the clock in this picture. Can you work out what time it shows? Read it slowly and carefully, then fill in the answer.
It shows 10:51
